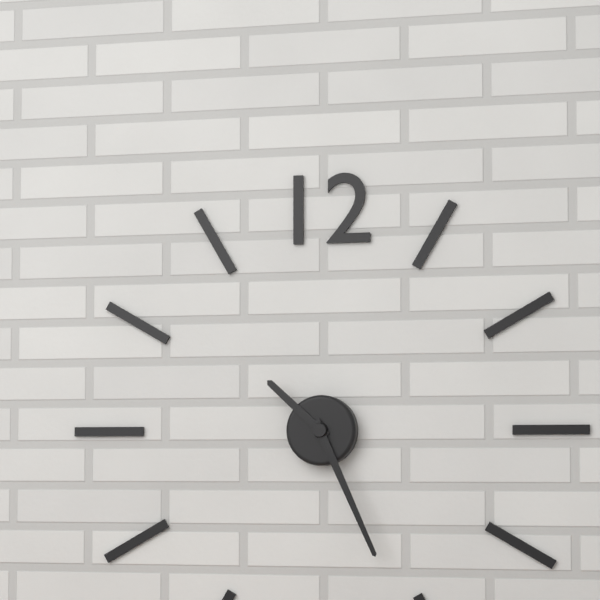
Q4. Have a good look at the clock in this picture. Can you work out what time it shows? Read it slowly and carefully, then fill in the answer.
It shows 10:26
